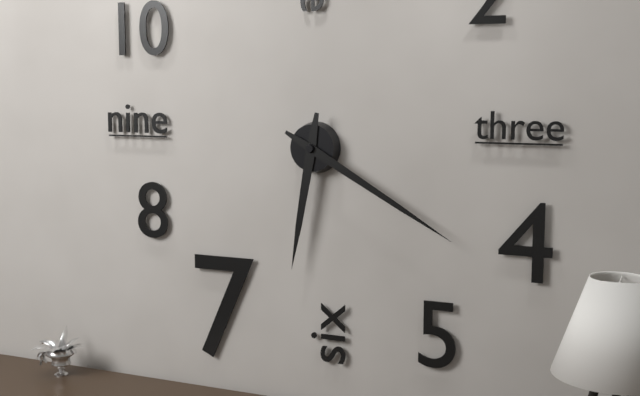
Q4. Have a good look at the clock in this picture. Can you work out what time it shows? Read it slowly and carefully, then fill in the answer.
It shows 6:20
